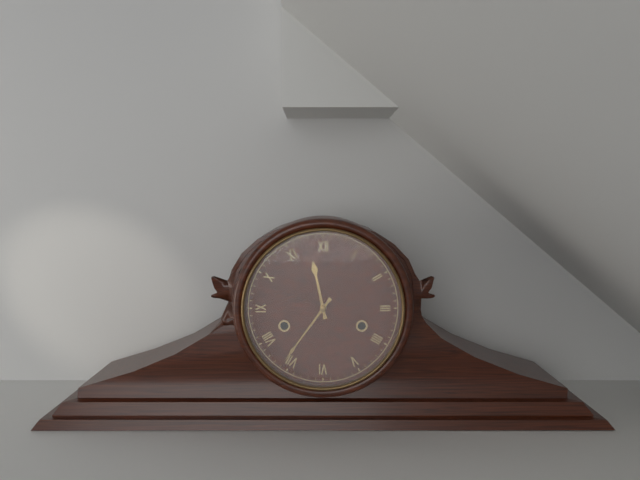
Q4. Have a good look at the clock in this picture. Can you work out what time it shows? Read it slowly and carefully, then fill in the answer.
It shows 11:36
